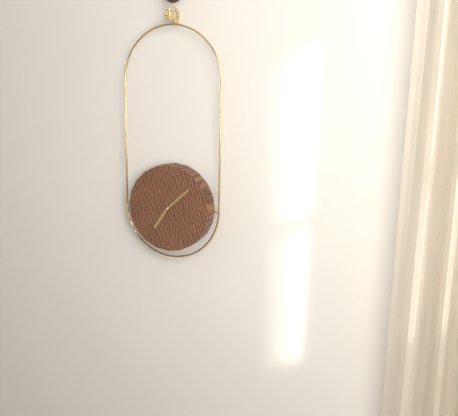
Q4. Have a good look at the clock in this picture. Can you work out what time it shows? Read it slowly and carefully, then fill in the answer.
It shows 7:08
